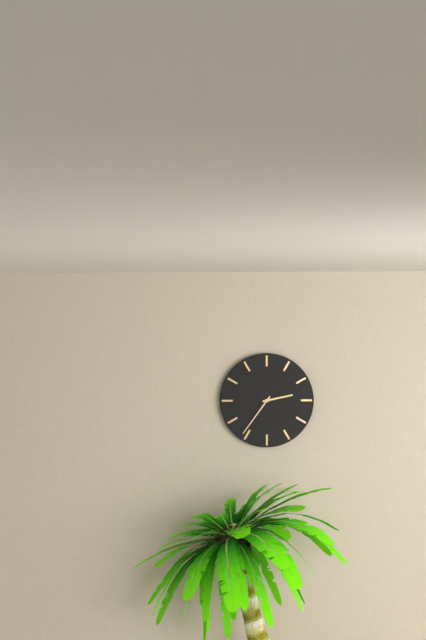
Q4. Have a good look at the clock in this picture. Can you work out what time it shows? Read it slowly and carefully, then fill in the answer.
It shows 2:36
